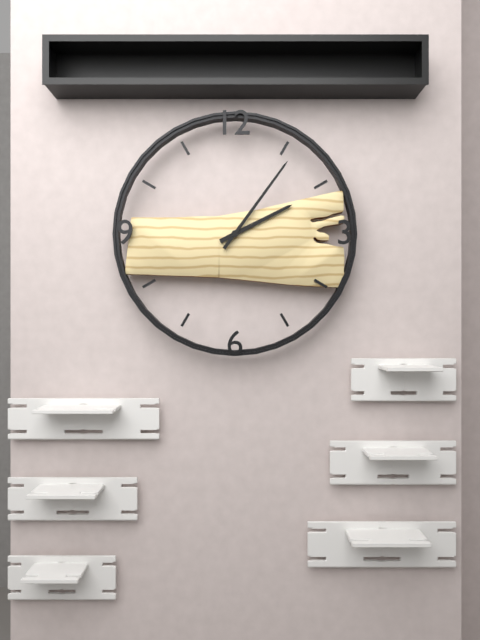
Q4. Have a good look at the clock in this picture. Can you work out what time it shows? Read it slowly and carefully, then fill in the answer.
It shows 2:06
